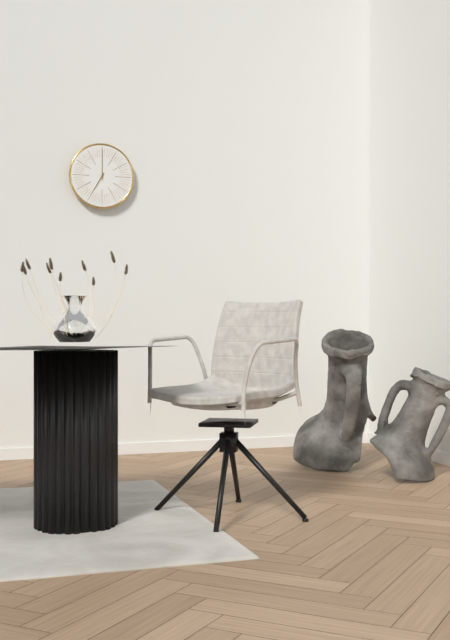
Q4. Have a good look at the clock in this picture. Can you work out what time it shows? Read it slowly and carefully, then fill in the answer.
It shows 7:00
